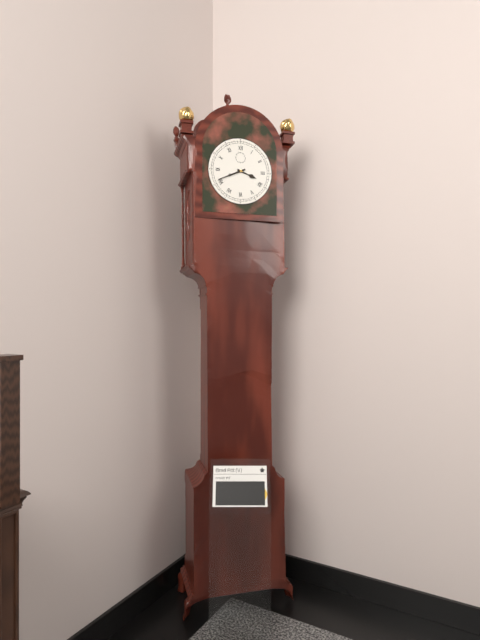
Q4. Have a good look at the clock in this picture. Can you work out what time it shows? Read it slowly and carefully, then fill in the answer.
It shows 3:41
